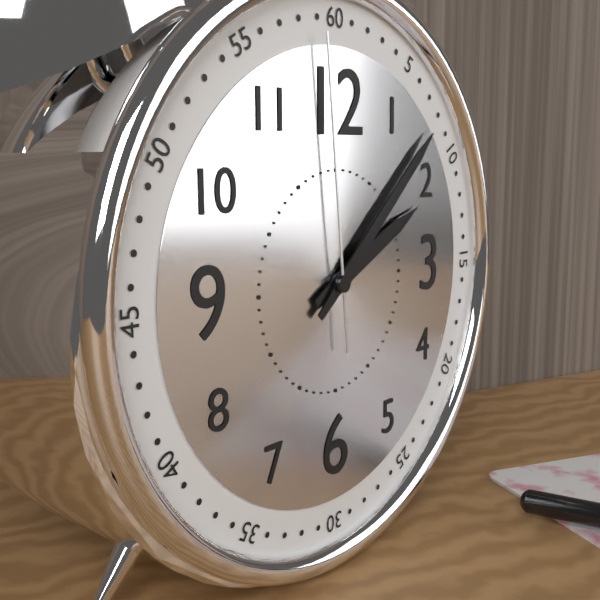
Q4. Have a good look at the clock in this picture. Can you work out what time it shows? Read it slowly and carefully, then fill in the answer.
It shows 2:08:59
